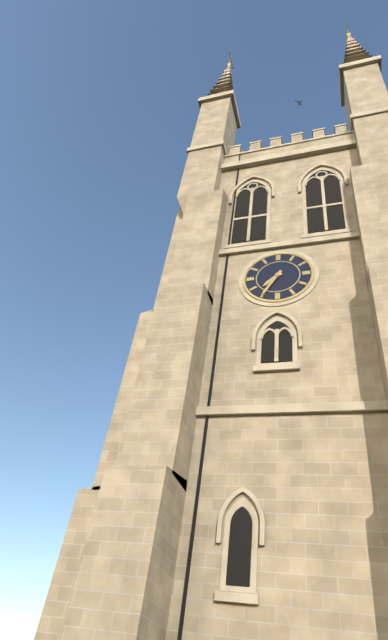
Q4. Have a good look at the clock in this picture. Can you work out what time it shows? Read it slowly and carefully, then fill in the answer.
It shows 7:35
